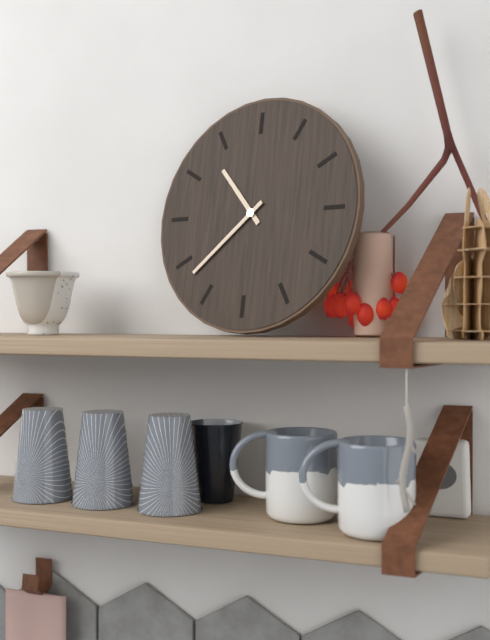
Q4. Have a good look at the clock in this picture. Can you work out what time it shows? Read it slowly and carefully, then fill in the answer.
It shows 10:38
